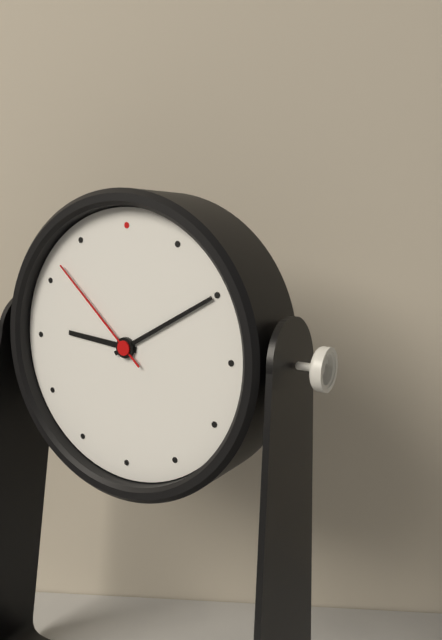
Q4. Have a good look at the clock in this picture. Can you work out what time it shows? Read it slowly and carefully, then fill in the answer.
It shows 9:10:52
